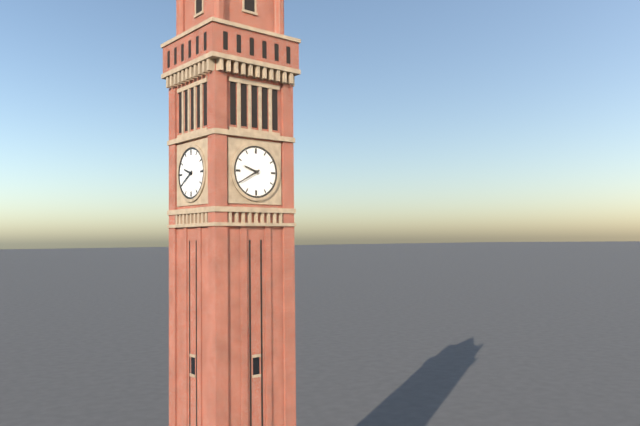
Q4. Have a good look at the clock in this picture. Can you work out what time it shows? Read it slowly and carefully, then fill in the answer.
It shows 9:40
